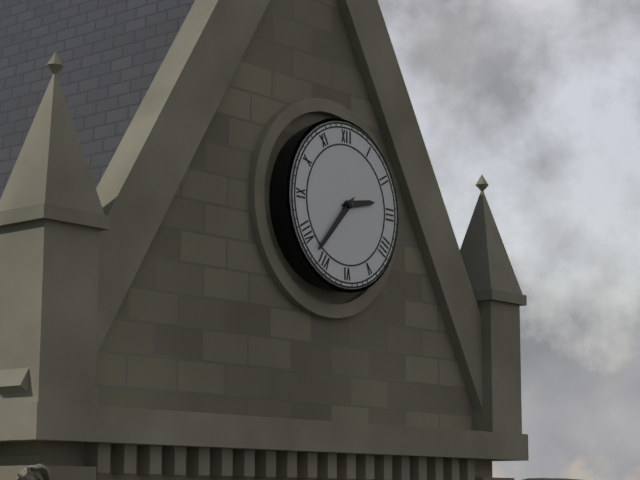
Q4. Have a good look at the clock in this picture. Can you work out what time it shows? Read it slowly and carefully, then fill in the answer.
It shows 2:37
